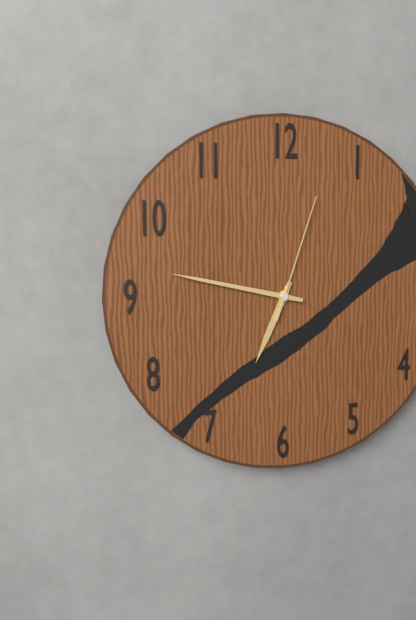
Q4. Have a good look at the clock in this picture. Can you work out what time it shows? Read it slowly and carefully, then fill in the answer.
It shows 6:47:03
